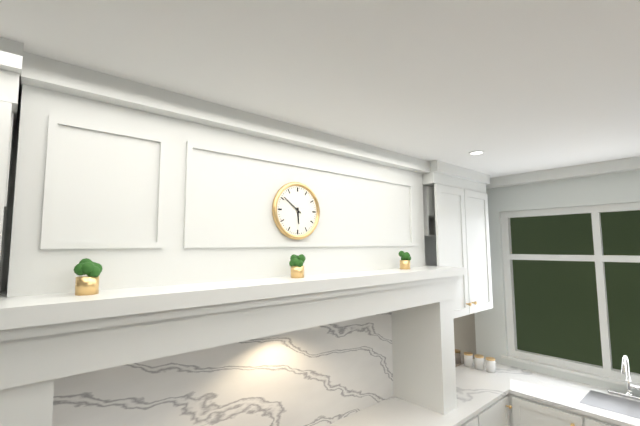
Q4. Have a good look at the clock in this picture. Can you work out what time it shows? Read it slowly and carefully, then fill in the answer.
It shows 5:51
